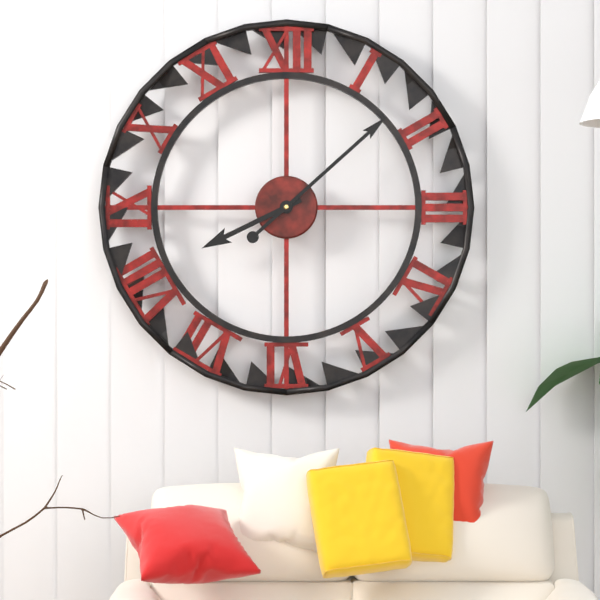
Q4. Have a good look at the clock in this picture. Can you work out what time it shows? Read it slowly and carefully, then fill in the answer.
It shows 8:08
